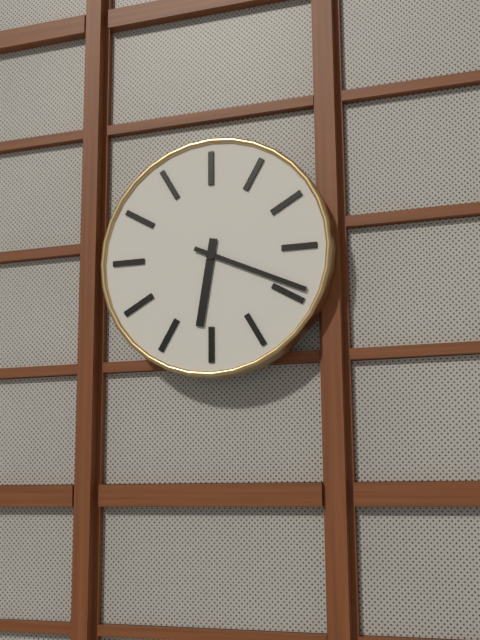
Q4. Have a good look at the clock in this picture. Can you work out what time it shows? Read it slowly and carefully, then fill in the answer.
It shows 6:19
